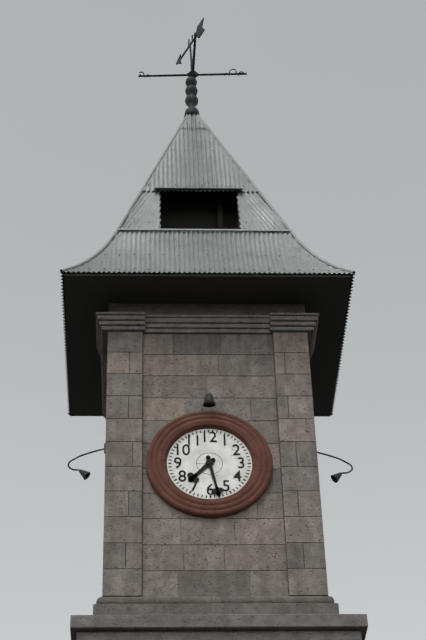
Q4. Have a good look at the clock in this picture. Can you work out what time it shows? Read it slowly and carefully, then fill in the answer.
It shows 7:28
